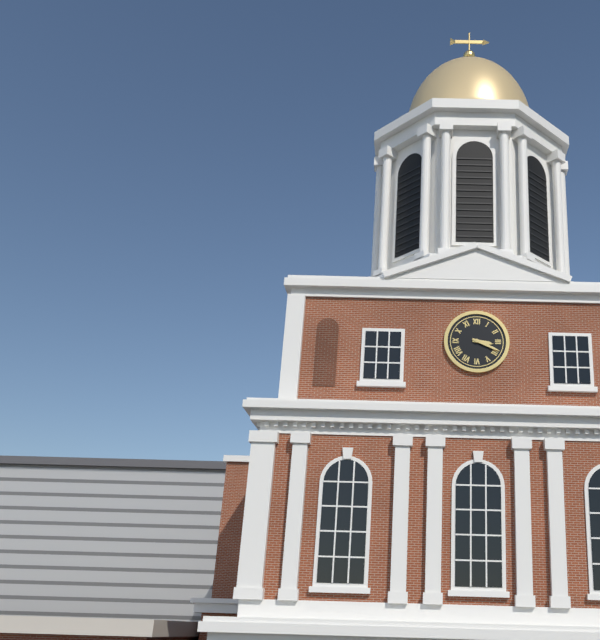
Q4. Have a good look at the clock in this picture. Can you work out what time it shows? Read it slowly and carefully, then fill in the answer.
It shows 3:19
